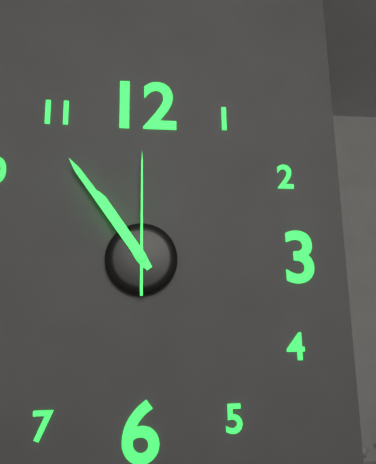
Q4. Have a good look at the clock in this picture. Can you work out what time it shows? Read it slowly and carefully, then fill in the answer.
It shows 10:54:00
